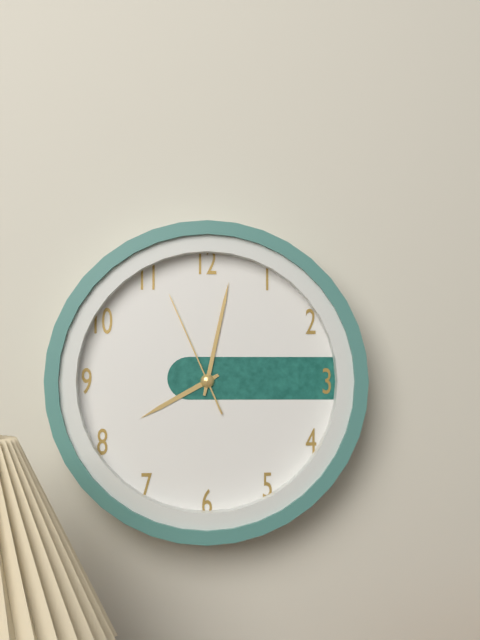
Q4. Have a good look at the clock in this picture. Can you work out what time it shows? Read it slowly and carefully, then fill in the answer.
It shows 8:02:56
